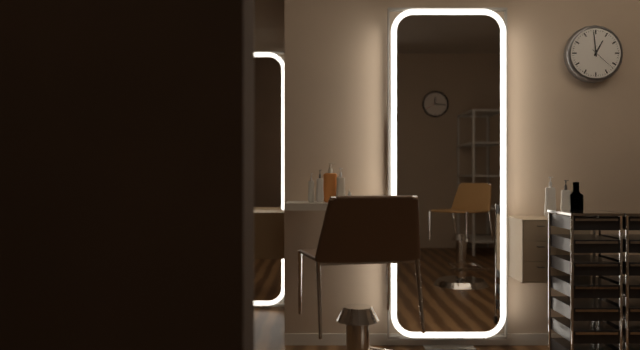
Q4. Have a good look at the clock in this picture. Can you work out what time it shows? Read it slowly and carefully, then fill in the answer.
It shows 12:59
